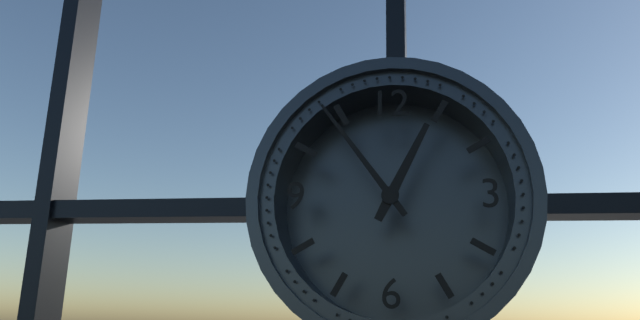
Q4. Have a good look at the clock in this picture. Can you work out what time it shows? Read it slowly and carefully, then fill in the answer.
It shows 12:54
